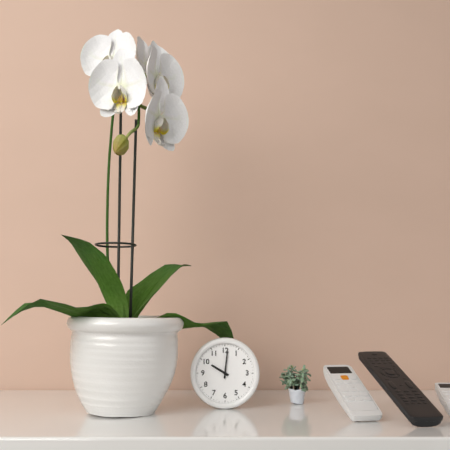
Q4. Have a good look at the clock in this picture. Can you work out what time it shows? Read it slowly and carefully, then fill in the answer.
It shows 10:01
